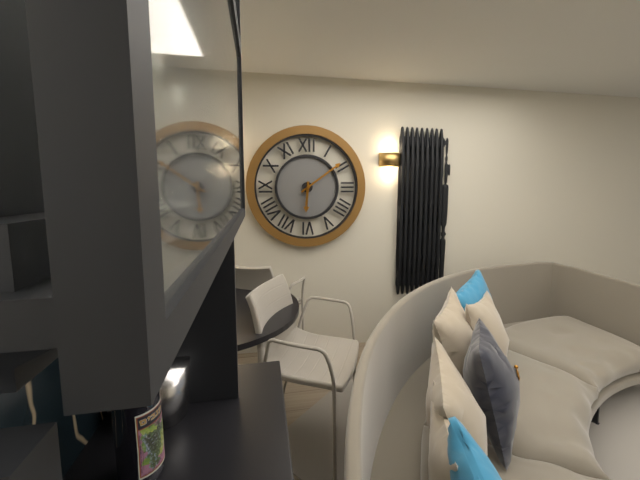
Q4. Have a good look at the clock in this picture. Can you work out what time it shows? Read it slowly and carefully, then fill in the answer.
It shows 6:09
